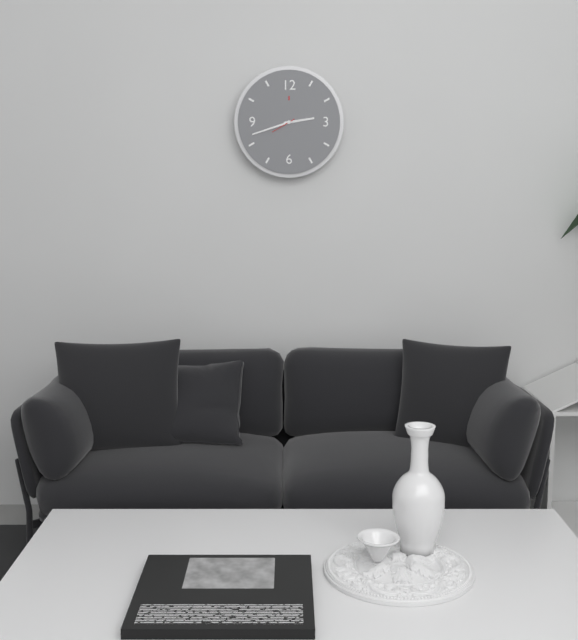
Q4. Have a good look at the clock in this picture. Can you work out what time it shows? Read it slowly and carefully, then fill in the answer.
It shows 2:42
